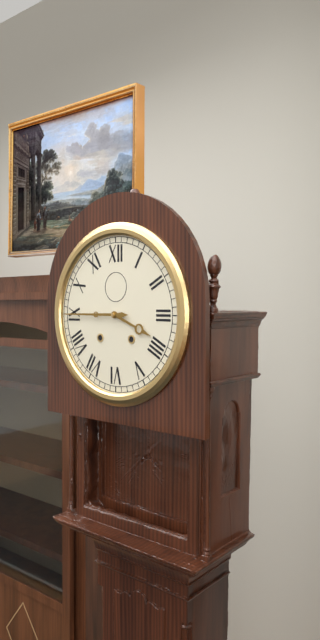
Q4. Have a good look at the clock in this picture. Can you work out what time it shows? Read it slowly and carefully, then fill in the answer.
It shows 3:45
